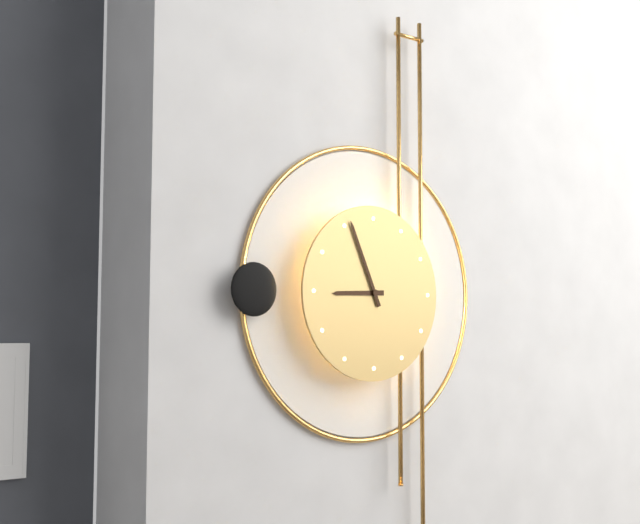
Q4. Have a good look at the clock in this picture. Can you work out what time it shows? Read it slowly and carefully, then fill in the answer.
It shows 8:56
